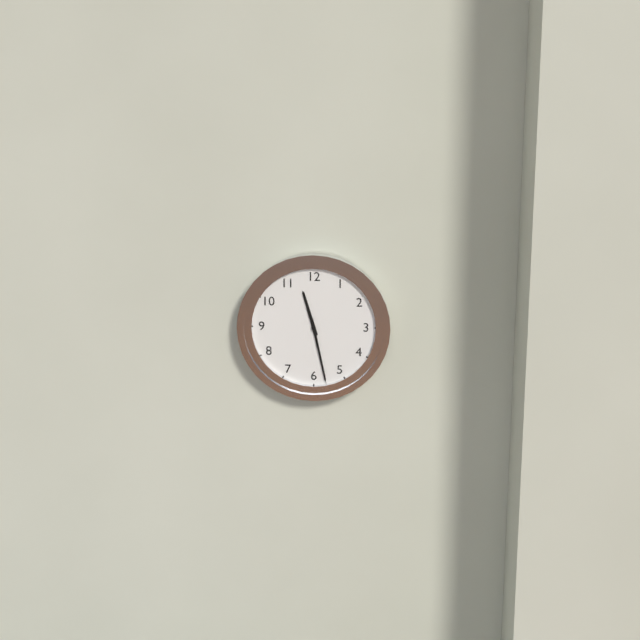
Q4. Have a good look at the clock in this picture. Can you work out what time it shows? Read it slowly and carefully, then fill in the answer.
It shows 11:28:28
